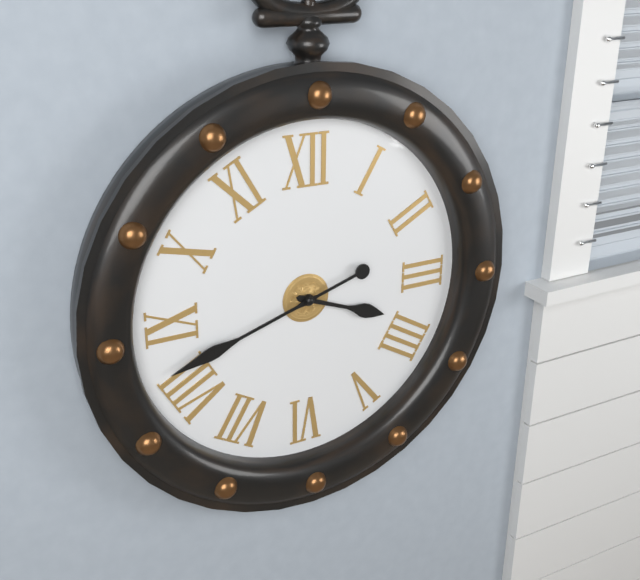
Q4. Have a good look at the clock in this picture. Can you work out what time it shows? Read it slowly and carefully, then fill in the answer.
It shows 3:42
